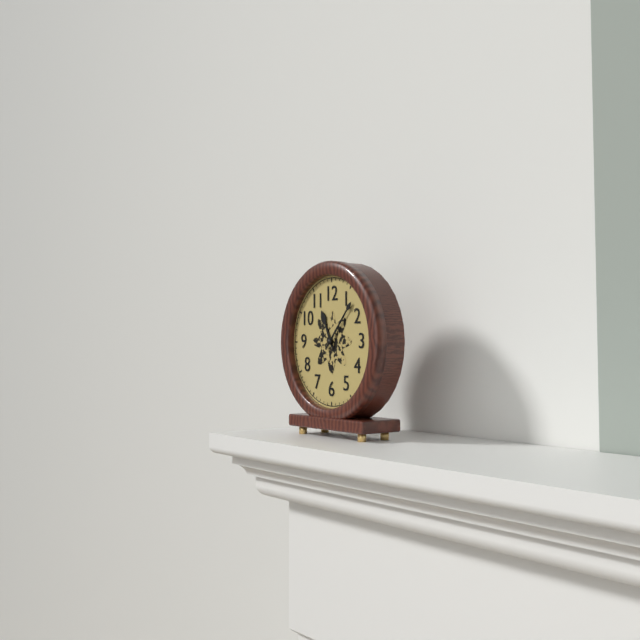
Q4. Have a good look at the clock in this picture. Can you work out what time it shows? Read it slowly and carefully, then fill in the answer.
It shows 11:07
